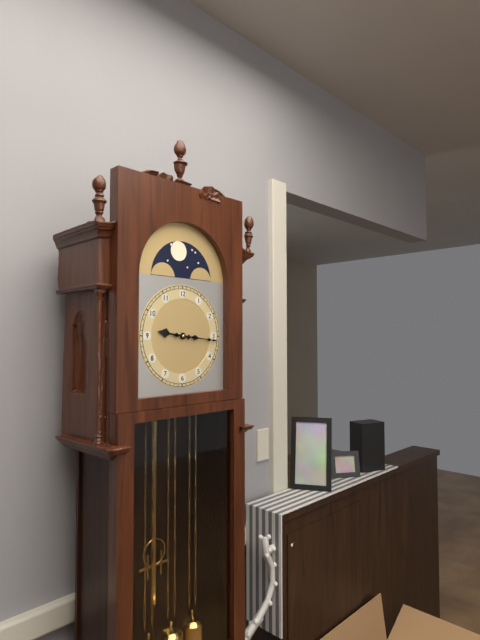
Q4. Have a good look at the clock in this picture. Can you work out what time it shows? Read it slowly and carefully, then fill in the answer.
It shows 9:16
